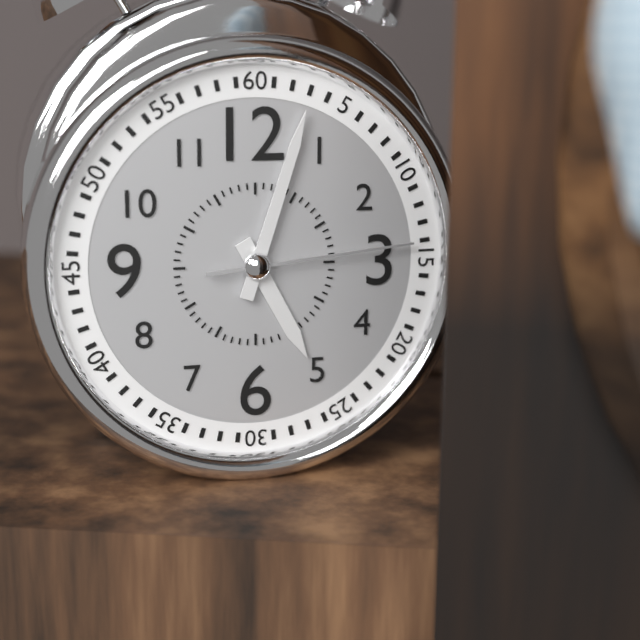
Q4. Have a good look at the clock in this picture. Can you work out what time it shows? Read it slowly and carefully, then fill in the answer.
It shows 5:03:14
